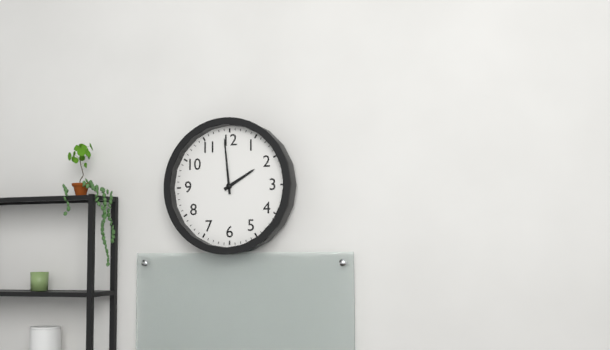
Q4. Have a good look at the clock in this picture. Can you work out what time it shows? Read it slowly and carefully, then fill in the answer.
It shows 1:59
